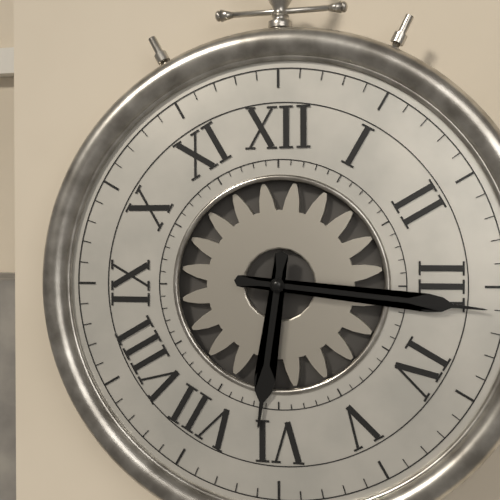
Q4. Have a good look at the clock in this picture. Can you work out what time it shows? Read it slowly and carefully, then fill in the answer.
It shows 6:16
